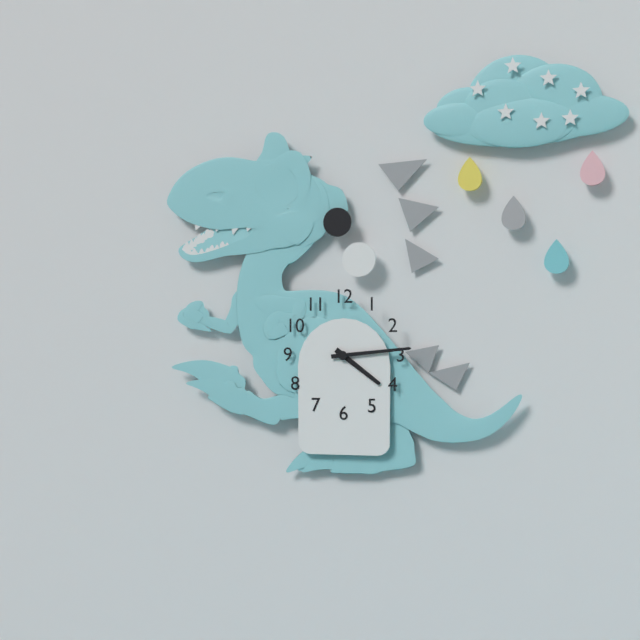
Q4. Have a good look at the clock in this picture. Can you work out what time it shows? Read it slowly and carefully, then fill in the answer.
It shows 4:14
